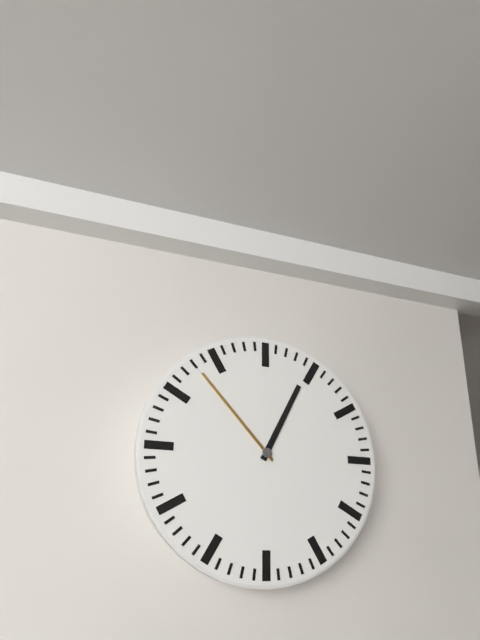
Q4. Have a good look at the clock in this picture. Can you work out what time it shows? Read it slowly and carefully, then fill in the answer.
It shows 12:53
